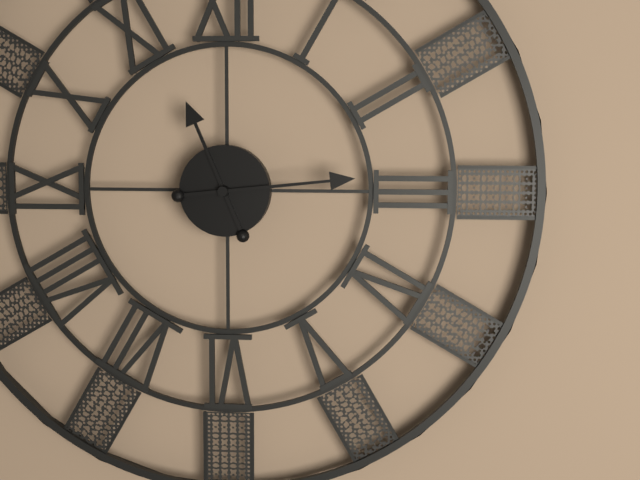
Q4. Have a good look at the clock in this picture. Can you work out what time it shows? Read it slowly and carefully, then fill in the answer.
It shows 11:14
